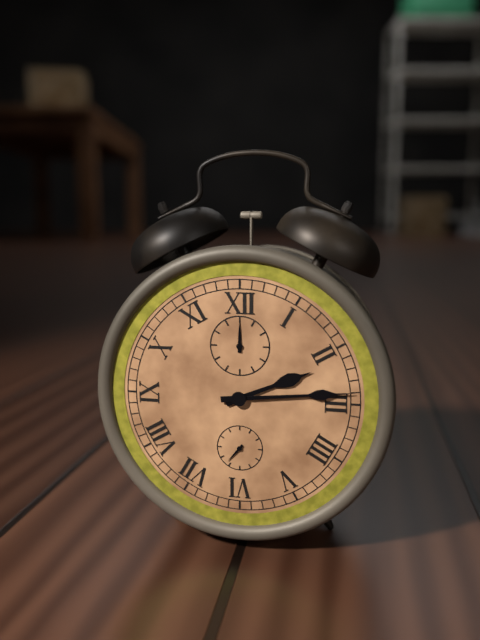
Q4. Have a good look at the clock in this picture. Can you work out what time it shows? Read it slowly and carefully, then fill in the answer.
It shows 2:14
